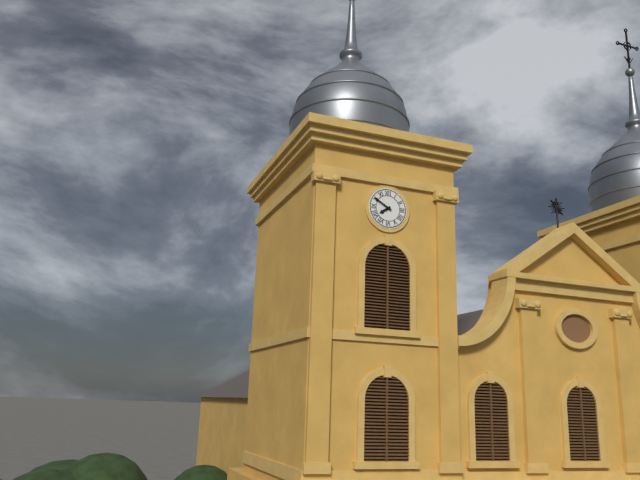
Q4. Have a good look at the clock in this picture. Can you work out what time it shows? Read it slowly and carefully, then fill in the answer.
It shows 7:50
